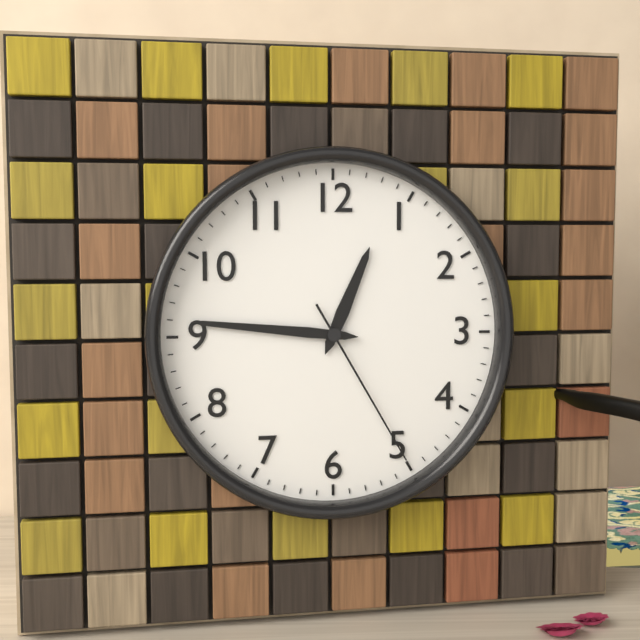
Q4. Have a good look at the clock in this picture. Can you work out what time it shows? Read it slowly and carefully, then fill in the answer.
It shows 12:46:25
